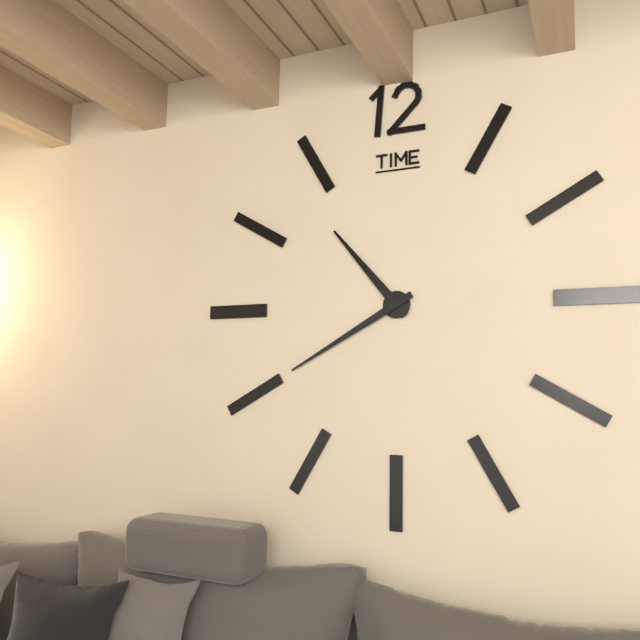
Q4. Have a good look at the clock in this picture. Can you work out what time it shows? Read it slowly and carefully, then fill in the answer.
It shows 10:40
